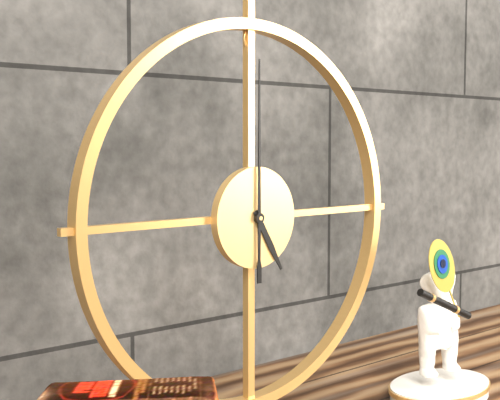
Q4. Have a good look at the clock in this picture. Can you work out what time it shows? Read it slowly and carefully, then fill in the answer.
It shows 5:00
